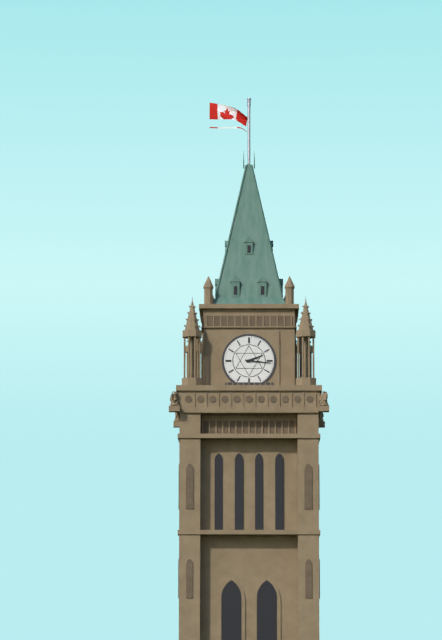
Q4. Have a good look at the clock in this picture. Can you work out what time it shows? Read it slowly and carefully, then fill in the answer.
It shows 2:16
